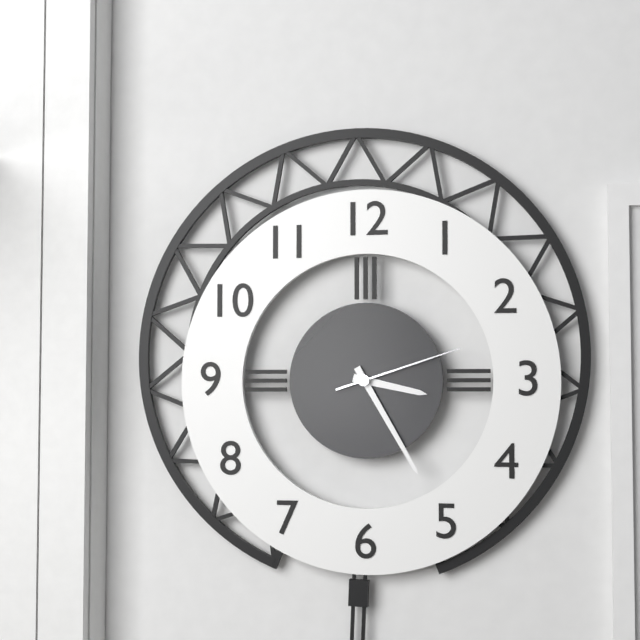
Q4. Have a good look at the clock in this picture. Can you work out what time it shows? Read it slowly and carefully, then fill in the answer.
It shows 3:25:12
